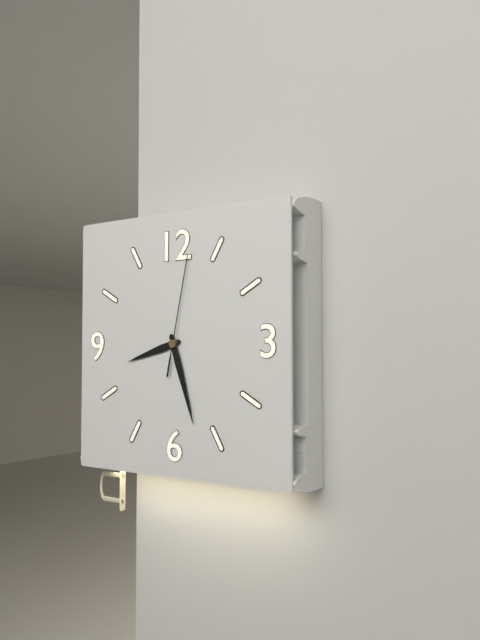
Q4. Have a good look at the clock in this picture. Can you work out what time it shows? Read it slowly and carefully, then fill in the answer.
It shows 8:27:02
